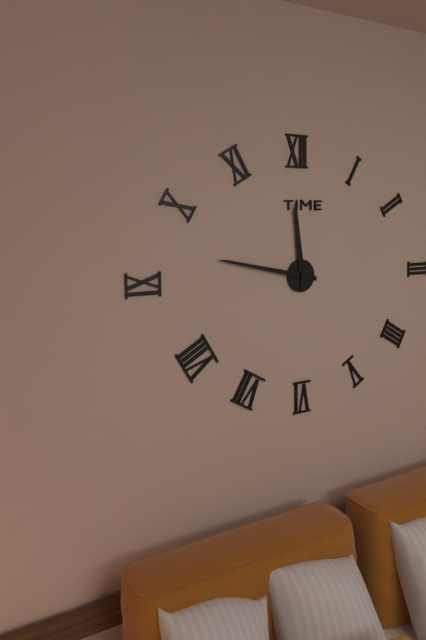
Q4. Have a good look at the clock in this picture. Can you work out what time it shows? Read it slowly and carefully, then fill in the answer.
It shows 11:47
